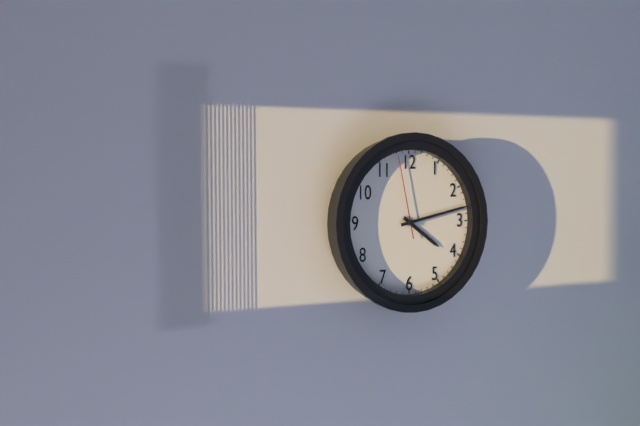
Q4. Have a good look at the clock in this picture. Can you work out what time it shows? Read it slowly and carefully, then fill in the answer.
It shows 4:13:58
